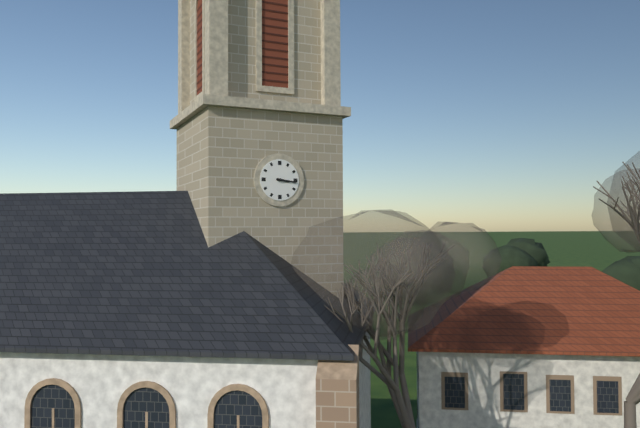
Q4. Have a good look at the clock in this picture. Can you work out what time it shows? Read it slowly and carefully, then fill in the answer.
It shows 3:16
